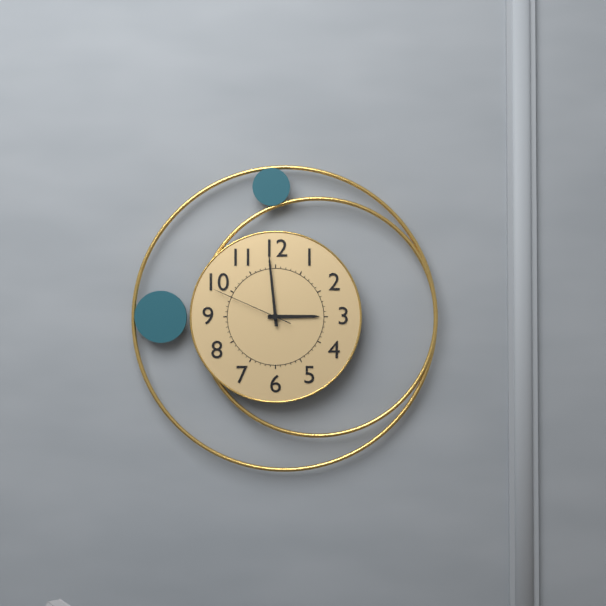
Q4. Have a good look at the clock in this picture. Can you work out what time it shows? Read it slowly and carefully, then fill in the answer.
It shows 2:59:49
